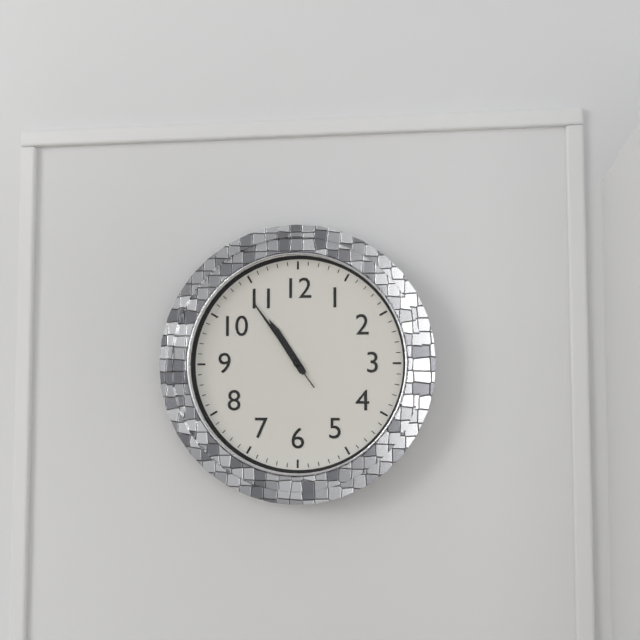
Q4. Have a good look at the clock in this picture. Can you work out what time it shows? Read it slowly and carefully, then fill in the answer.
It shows 10:54:54
